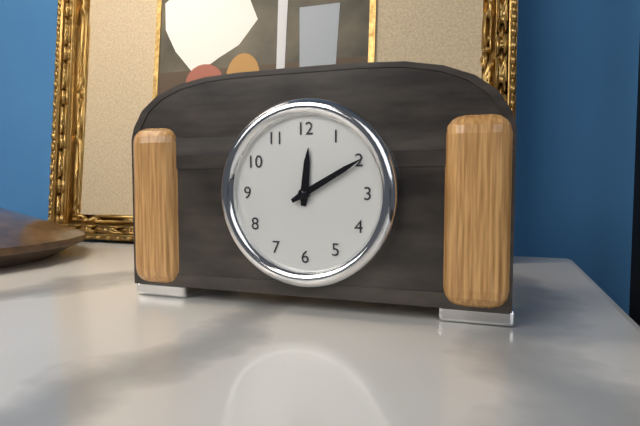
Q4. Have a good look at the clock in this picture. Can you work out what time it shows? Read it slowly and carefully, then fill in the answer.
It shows 12:10
